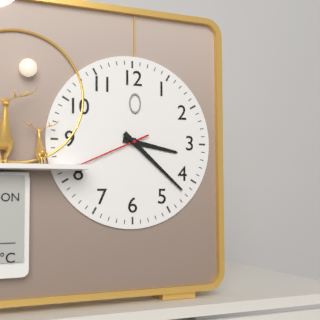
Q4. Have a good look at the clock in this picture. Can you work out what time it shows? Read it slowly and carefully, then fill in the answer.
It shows 3:22:41
